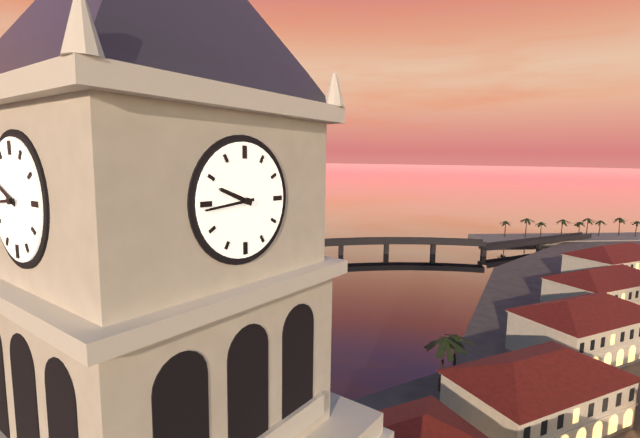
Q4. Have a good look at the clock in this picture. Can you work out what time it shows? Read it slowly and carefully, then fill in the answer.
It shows 9:44
